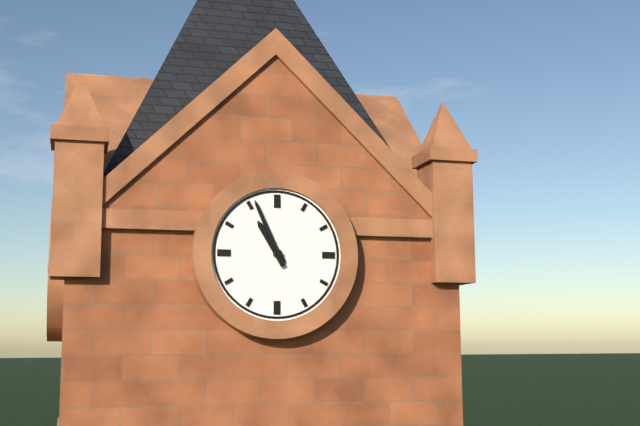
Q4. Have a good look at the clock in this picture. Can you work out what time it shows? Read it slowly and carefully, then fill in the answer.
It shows 10:56
